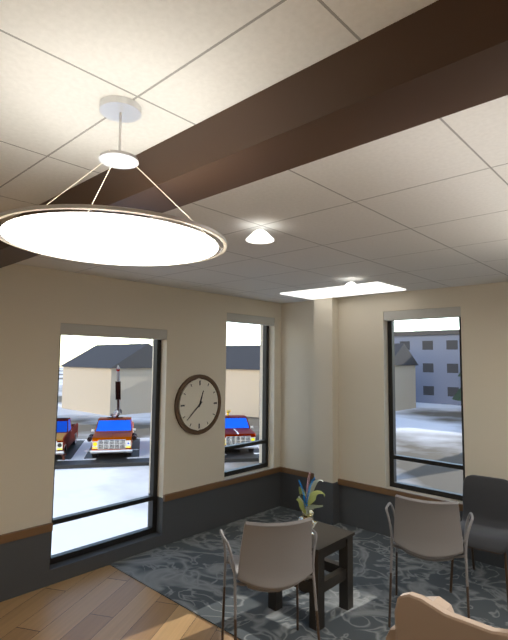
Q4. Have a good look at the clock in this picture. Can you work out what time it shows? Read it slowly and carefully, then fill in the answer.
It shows 12:38
